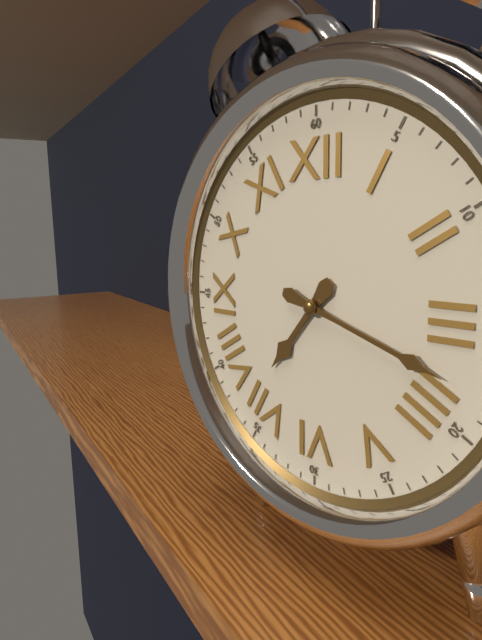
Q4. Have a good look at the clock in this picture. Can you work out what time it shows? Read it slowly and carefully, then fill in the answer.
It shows 7:18
